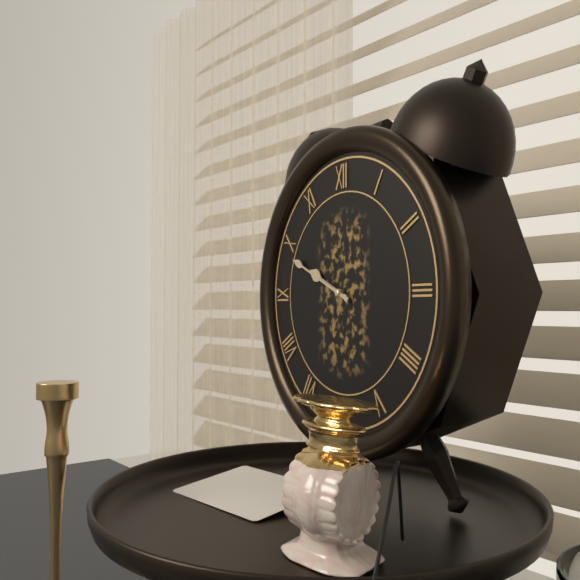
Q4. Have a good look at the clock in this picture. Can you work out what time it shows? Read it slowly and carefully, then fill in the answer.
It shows 9:49
